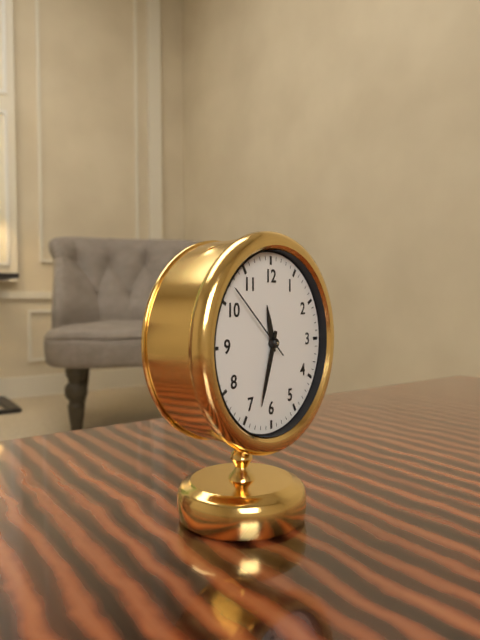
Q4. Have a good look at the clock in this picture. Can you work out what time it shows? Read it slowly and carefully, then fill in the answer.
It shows 11:33:52
